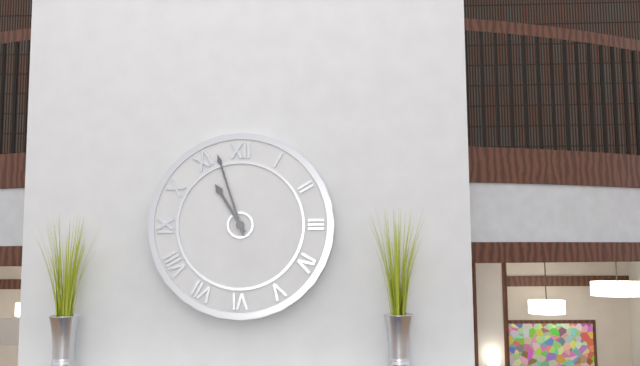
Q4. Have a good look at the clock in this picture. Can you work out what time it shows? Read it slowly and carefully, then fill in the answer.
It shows 10:57
